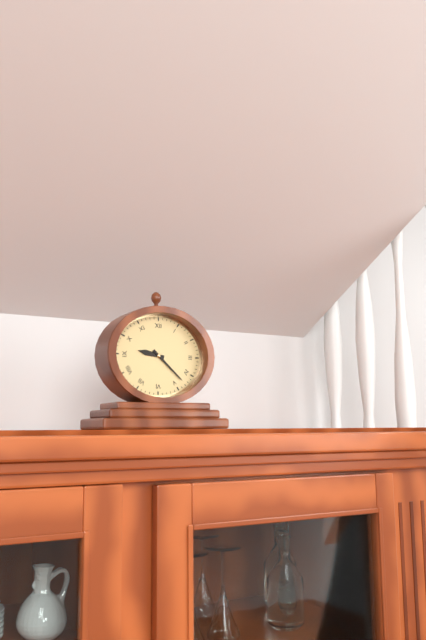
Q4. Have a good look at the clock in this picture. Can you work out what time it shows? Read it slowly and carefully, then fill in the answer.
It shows 9:22
